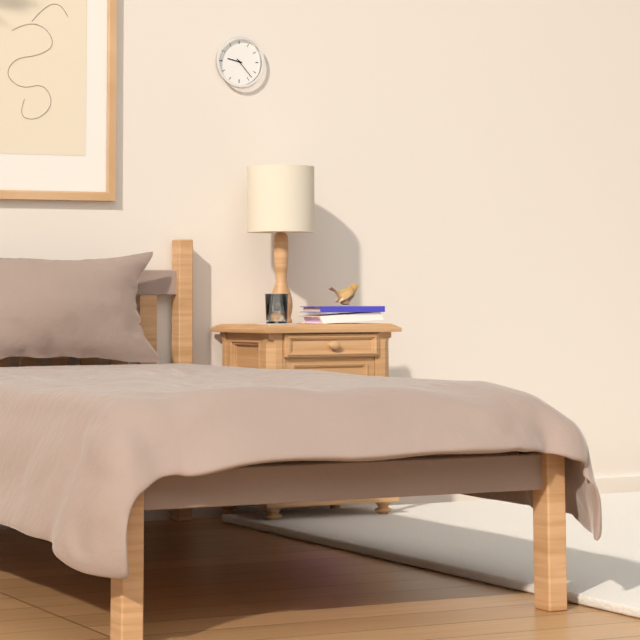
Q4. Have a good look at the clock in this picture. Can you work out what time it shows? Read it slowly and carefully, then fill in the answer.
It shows 9:23
